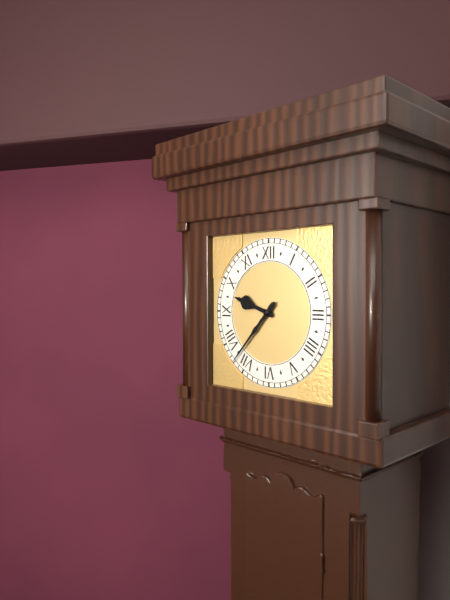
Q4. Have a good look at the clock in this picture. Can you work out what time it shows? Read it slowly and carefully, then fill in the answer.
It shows 9:37
